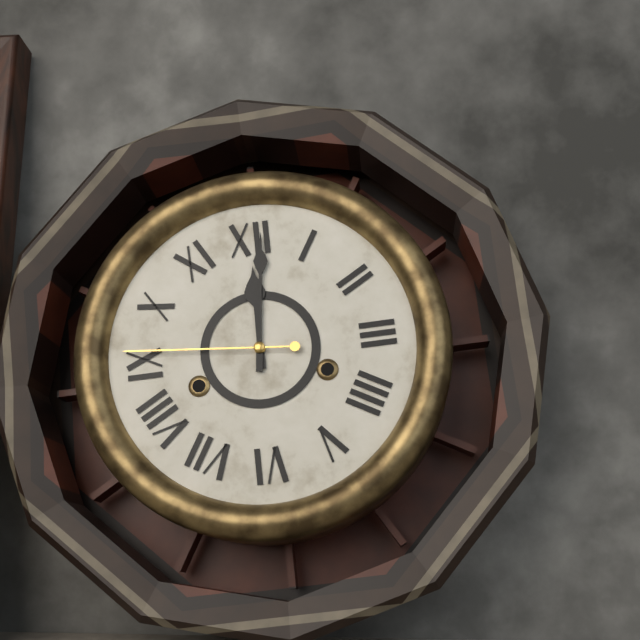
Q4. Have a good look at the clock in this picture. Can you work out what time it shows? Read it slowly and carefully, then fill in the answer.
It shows 12:01:46
